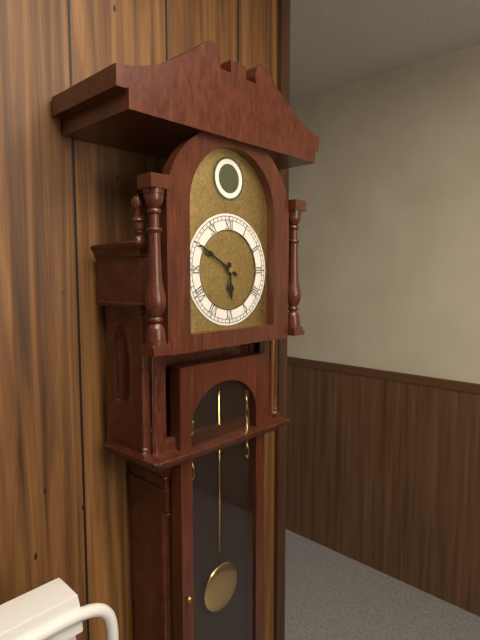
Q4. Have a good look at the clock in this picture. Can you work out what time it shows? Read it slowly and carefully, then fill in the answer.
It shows 5:50
